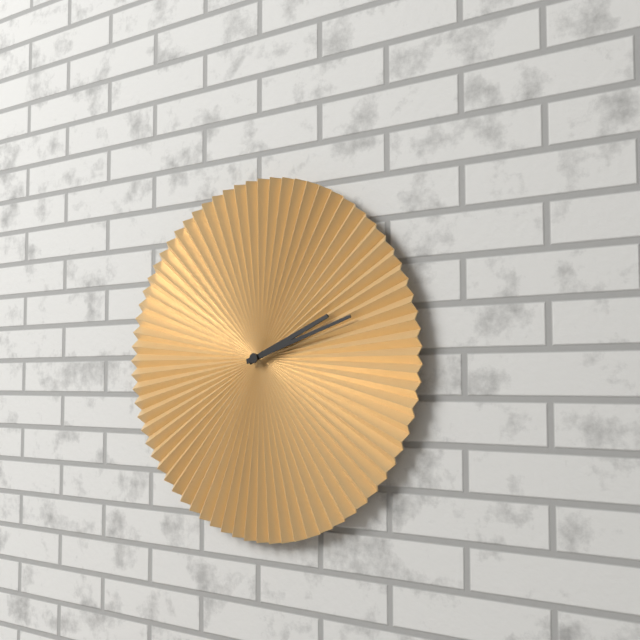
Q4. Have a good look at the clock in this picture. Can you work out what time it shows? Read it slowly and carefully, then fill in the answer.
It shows 2:12
